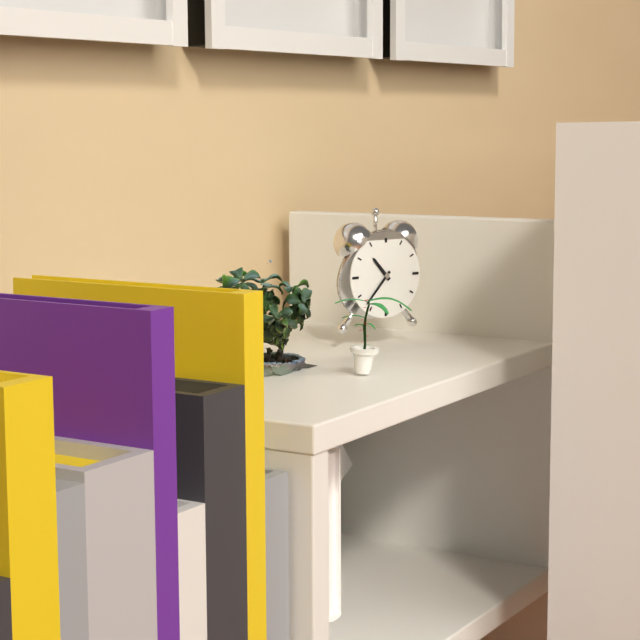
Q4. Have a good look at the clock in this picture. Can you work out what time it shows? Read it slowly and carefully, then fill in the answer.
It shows 10:37
